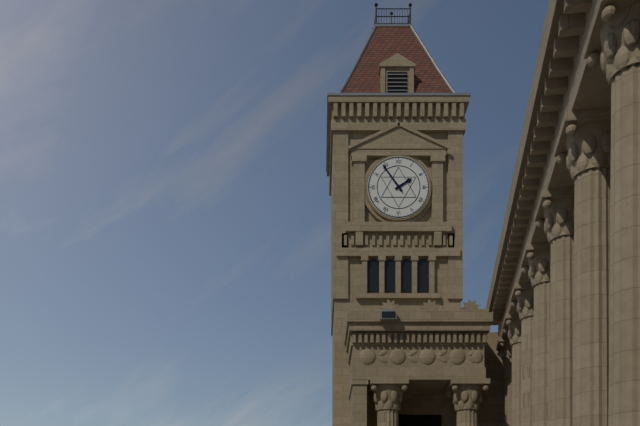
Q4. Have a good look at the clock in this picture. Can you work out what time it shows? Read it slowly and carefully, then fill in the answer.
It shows 1:54
